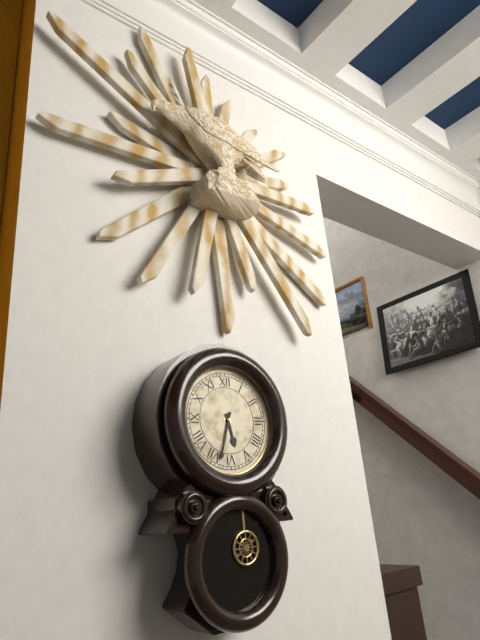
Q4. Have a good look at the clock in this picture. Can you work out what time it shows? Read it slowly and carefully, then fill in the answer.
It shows 5:33
